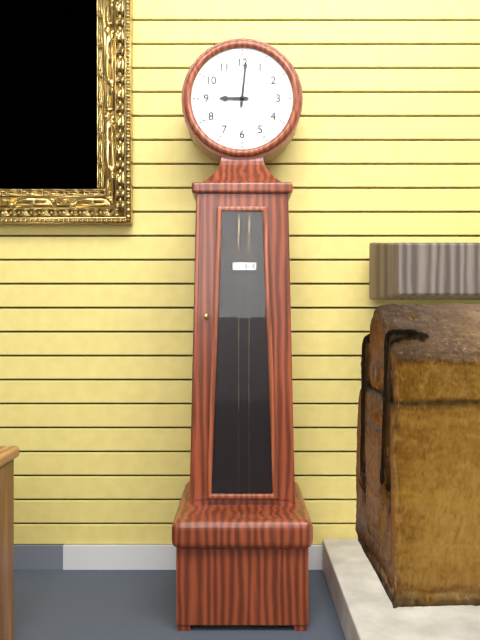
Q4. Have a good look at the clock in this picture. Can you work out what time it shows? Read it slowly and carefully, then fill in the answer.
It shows 9:01
